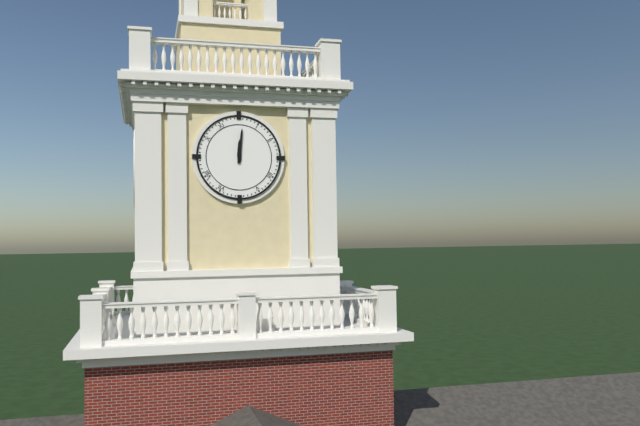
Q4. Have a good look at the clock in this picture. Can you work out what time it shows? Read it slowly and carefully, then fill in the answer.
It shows 12:01
